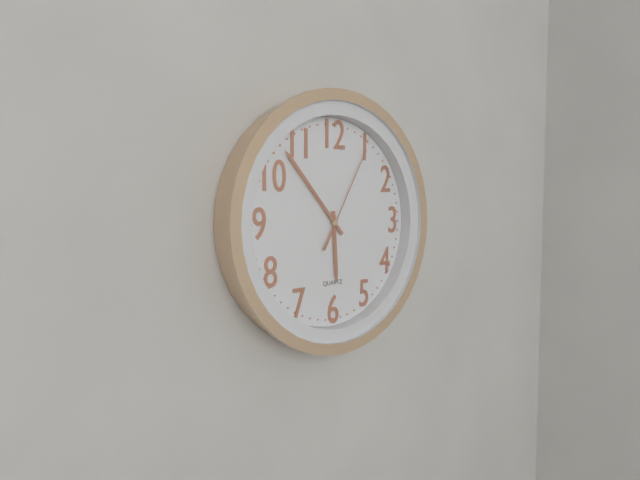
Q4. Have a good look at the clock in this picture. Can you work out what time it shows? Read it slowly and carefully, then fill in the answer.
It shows 5:53:05
